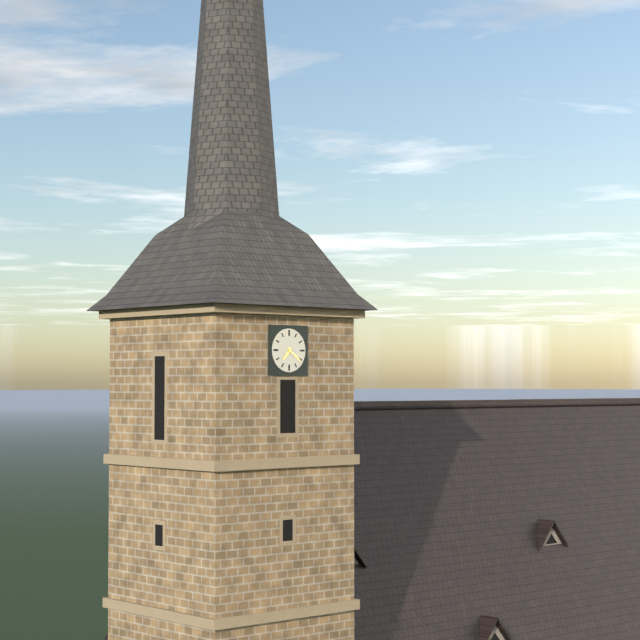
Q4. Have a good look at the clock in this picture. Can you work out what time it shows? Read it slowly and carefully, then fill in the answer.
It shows 7:21
